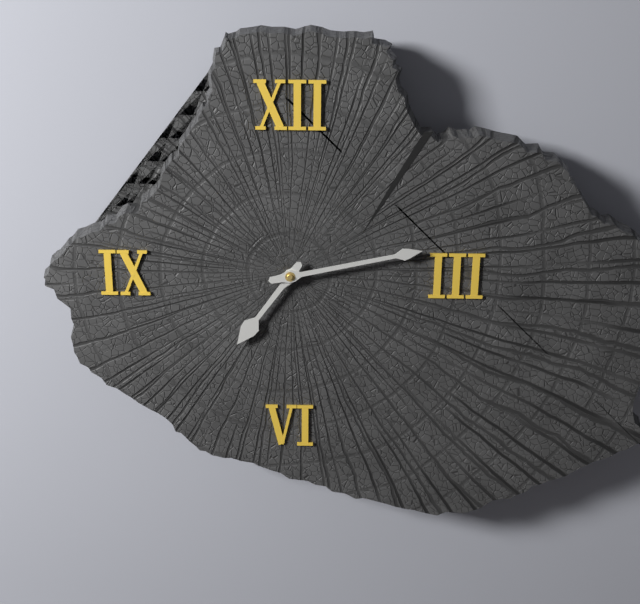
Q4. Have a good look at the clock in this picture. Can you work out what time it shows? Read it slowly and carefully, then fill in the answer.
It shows 7:13
